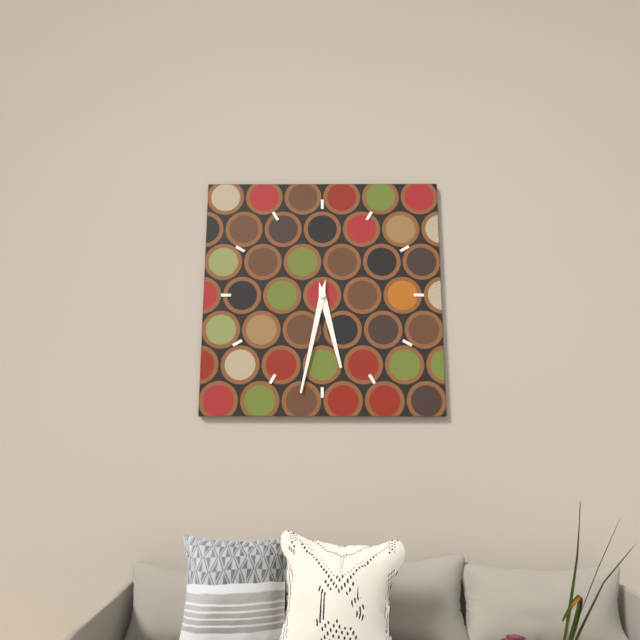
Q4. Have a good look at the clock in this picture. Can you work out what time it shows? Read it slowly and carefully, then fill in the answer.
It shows 5:32
